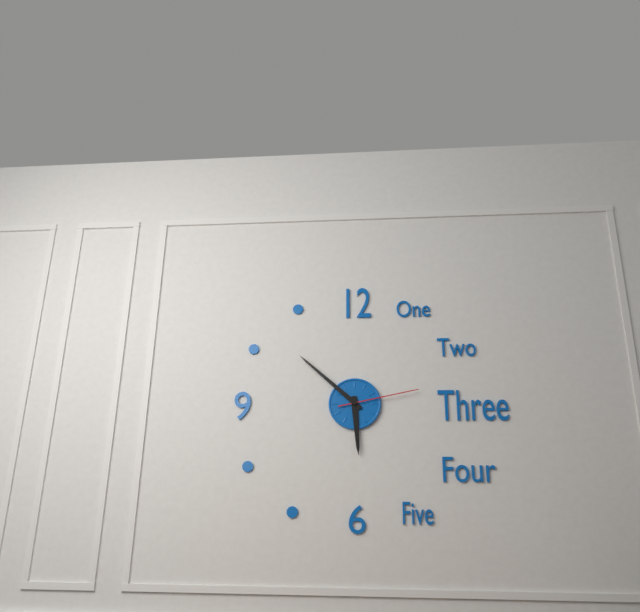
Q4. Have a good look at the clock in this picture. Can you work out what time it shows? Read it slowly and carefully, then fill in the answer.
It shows 5:52:13
